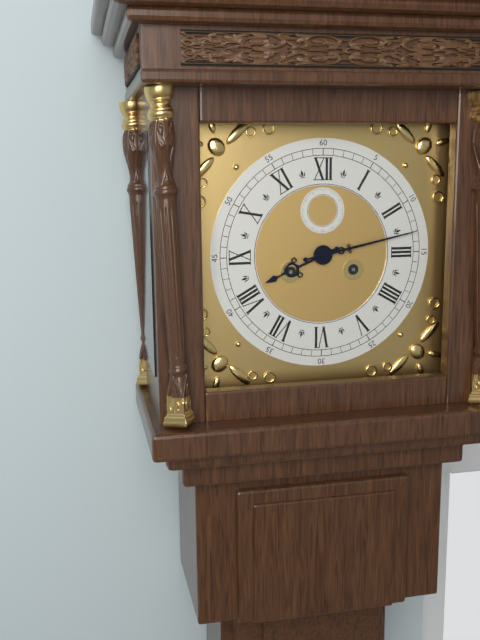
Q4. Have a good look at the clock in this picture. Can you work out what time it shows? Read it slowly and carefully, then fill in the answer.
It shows 8:13
